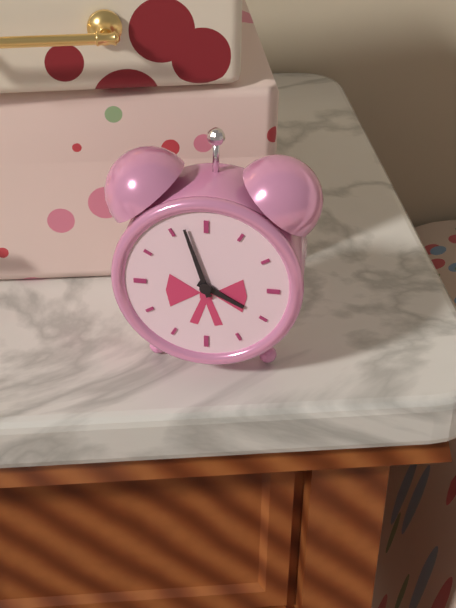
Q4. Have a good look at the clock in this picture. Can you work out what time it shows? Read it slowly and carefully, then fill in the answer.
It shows 3:57
